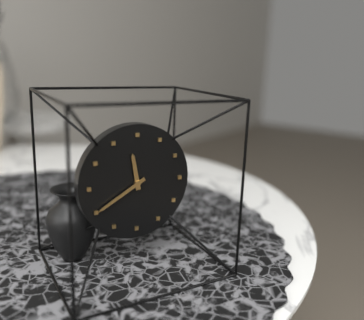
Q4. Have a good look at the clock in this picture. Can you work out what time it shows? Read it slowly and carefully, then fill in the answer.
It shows 11:40
